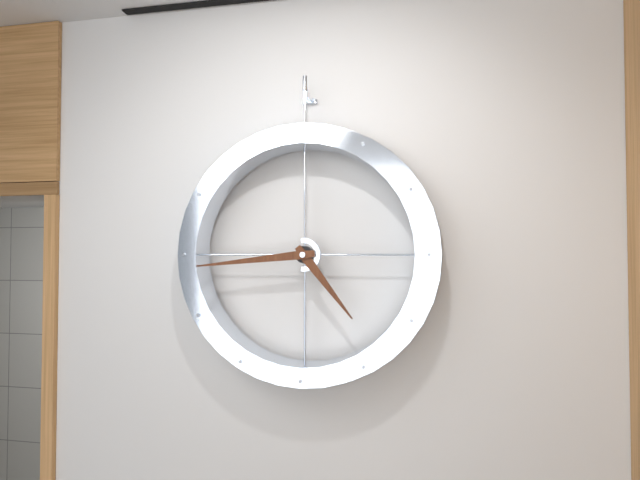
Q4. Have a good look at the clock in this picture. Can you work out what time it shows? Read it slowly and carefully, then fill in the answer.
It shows 4:44
